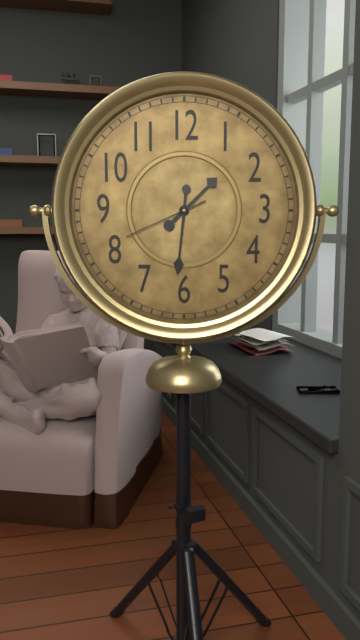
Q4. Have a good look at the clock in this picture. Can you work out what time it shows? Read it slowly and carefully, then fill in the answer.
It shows 1:31:41
